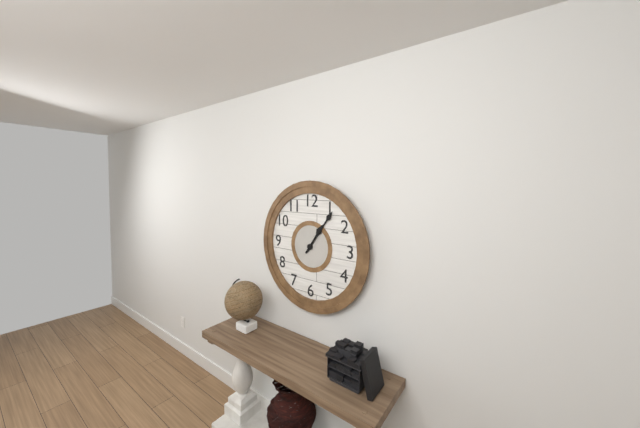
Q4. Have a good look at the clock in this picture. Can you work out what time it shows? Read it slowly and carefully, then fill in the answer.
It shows 1:06
